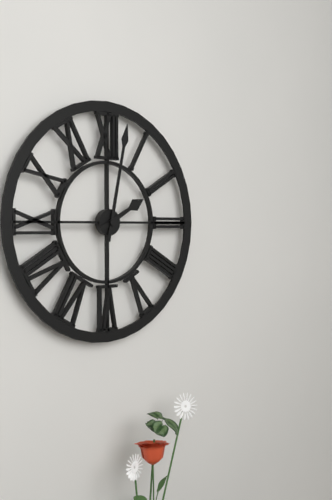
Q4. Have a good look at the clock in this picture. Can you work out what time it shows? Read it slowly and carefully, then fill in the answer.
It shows 2:02
